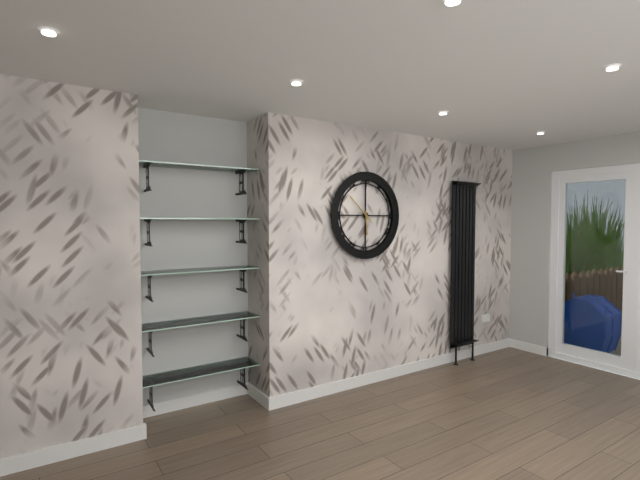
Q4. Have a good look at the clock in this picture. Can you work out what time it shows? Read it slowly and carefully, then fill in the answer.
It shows 5:52
